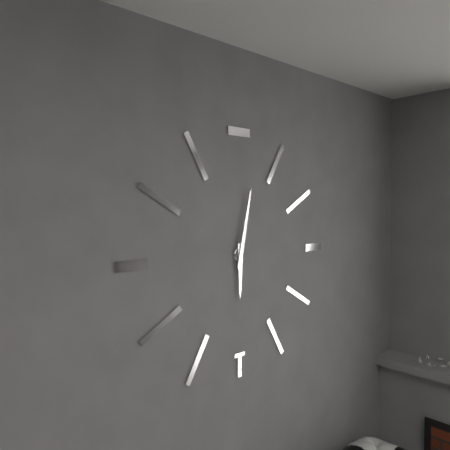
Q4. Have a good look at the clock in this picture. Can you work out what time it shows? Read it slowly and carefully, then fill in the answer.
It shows 6:02
